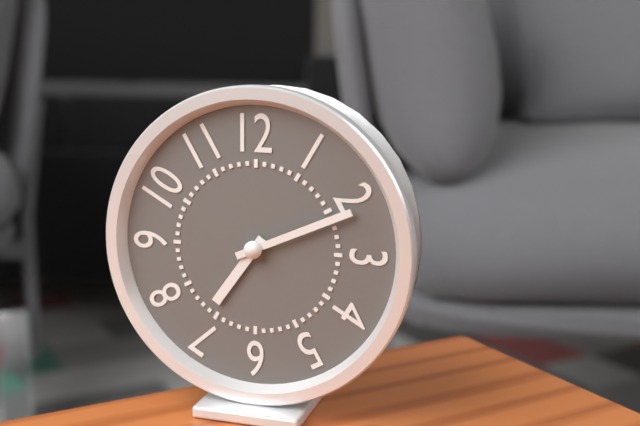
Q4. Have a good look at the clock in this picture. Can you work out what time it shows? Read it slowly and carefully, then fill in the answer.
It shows 7:11
